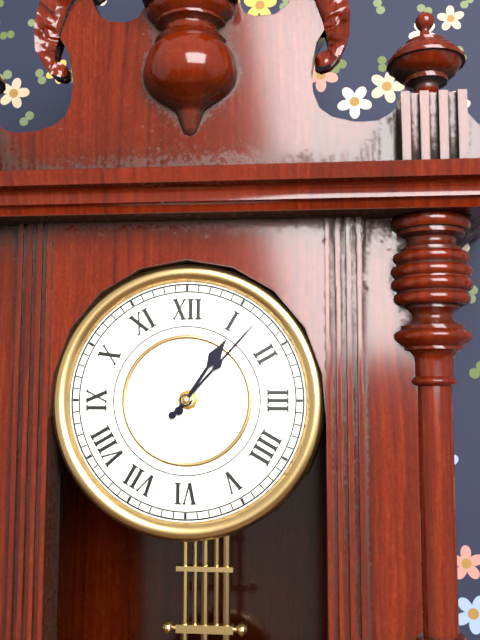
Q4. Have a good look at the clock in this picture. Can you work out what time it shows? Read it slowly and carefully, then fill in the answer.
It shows 1:07
